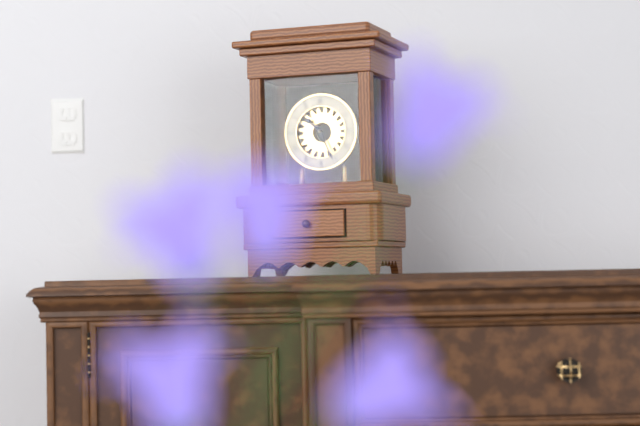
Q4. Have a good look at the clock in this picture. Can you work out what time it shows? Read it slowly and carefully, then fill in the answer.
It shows 10:26
